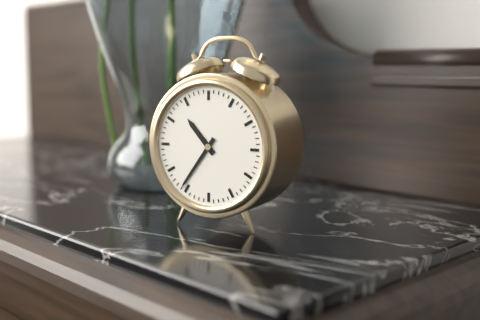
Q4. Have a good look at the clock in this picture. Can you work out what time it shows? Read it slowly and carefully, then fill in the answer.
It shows 10:36
